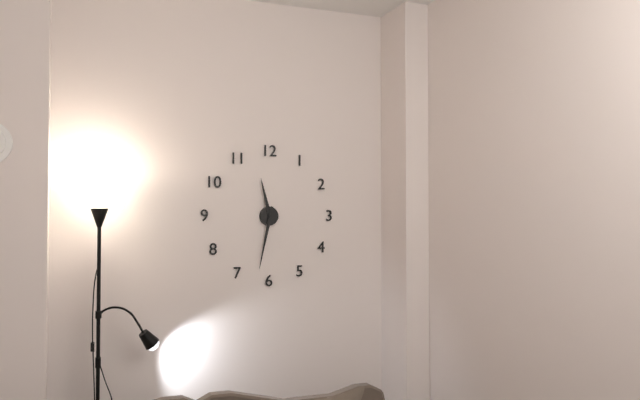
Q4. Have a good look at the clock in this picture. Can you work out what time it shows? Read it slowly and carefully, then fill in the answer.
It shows 11:32
